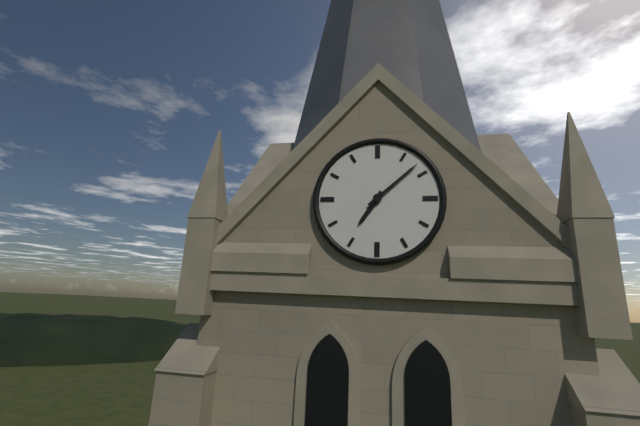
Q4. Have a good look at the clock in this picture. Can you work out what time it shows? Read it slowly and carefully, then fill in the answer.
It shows 7:08
